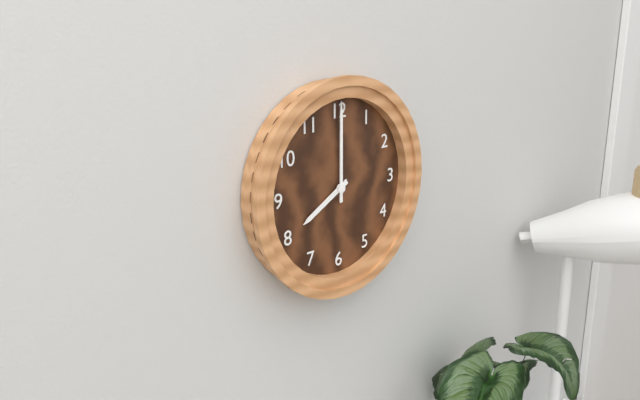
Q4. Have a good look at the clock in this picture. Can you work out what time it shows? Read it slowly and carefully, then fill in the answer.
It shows 8:00
